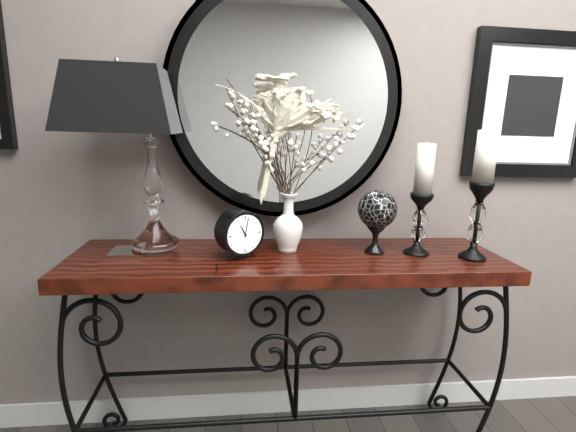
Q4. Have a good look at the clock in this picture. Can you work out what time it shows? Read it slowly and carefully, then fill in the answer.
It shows 11:02
